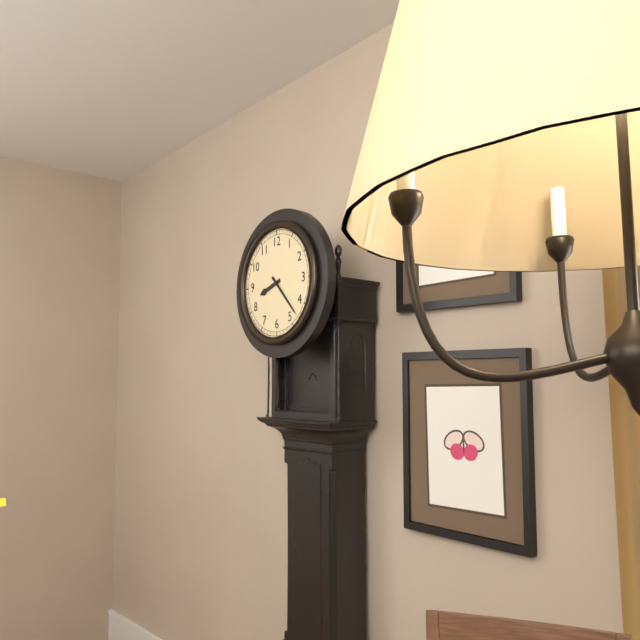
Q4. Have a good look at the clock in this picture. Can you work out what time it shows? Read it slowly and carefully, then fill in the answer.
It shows 8:23
